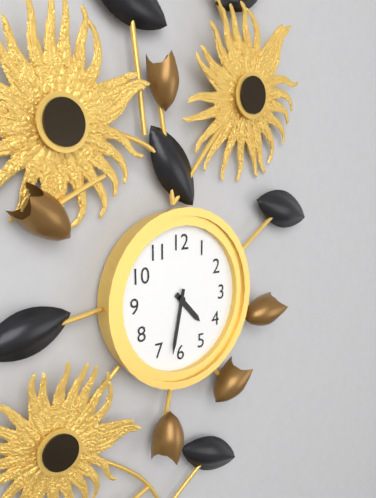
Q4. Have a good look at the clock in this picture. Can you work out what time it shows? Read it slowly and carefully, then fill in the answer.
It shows 4:32
